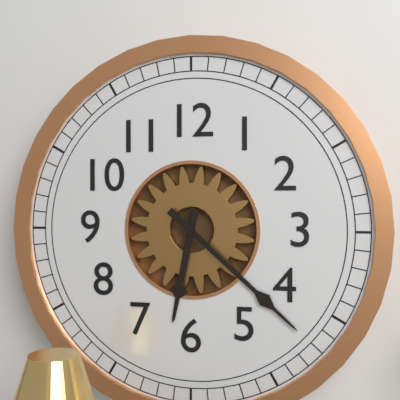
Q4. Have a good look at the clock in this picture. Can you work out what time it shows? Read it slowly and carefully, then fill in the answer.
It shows 6:22
